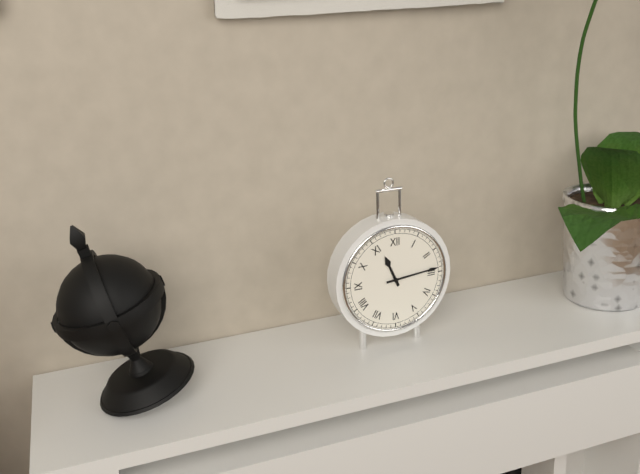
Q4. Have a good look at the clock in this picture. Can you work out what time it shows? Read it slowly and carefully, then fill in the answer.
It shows 11:14
